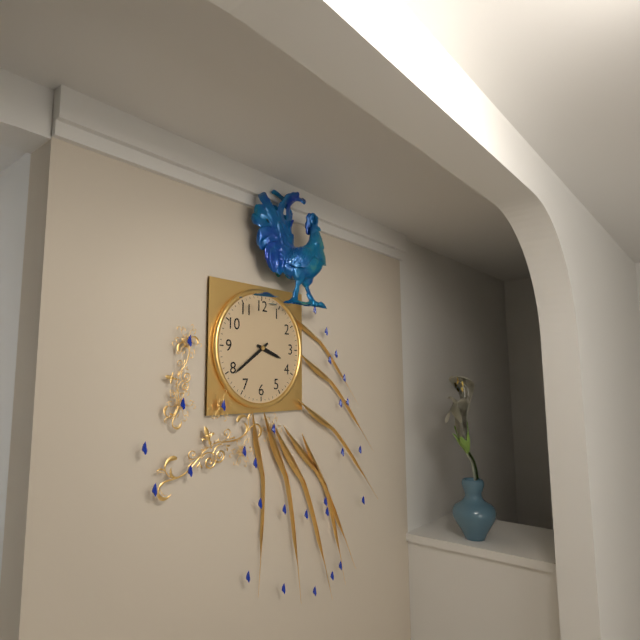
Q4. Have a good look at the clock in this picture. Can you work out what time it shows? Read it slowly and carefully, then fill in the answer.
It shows 3:39
